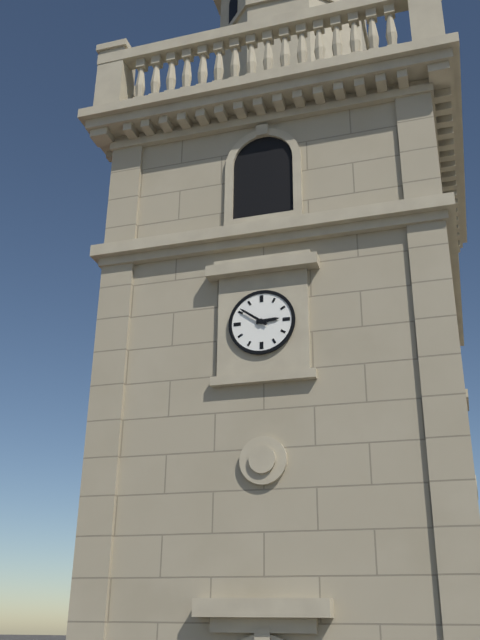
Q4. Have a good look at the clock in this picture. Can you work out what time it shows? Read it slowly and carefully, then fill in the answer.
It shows 2:51
